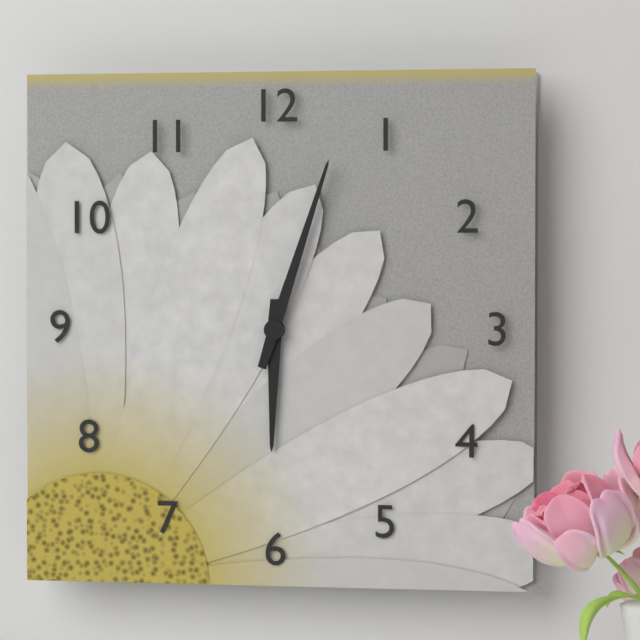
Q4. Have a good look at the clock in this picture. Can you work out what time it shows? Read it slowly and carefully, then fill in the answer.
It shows 6:03
